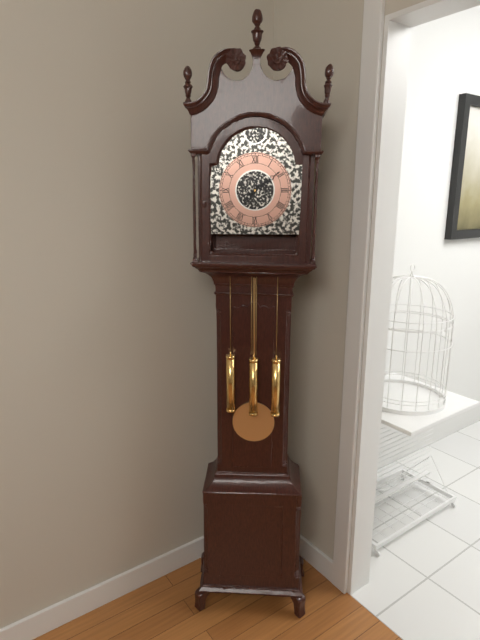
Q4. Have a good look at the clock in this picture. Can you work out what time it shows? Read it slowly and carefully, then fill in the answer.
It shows 7:09
